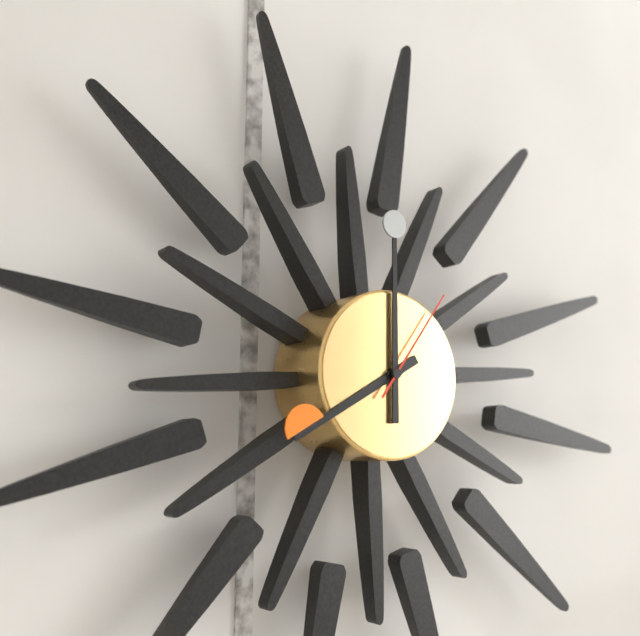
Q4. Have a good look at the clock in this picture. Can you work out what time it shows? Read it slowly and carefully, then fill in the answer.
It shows 8:00:06
